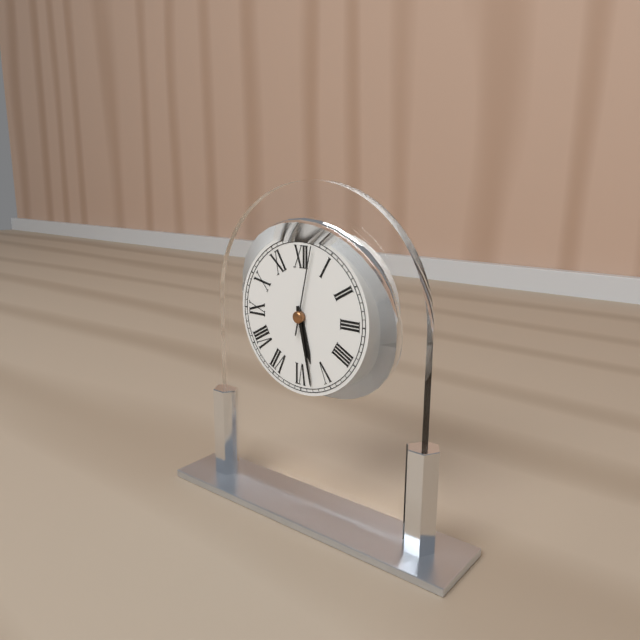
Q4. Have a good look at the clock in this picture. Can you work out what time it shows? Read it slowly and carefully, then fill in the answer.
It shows 5:28:02
